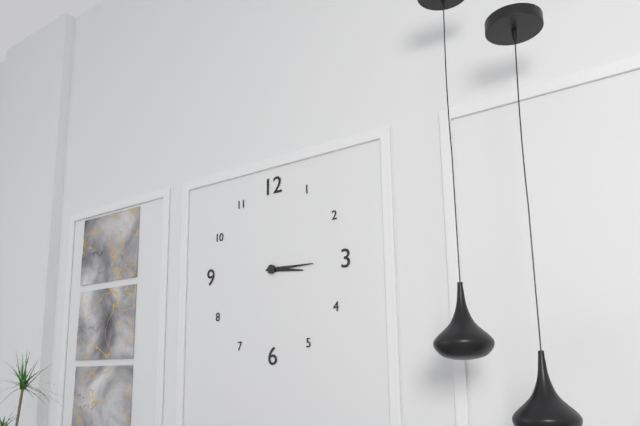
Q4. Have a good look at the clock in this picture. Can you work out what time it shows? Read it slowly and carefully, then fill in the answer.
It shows 3:15
